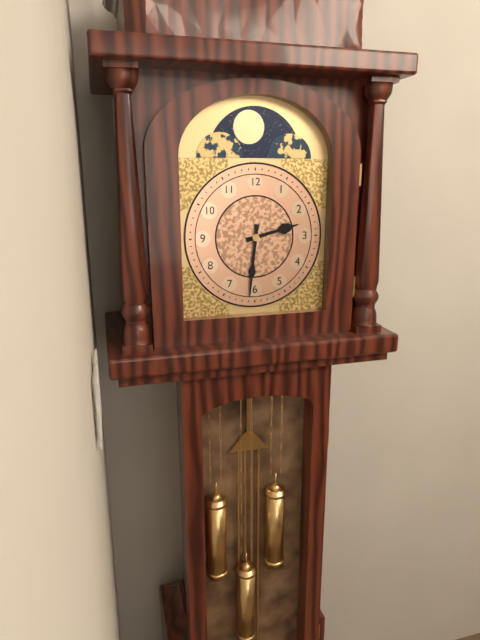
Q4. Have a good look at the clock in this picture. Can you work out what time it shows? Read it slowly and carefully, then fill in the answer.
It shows 2:31
